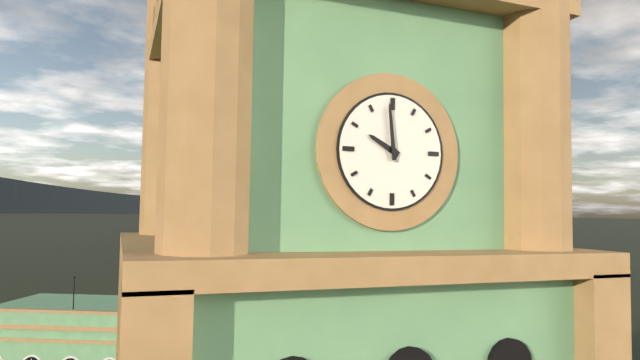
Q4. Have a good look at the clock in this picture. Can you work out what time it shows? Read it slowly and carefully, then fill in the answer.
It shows 9:59
